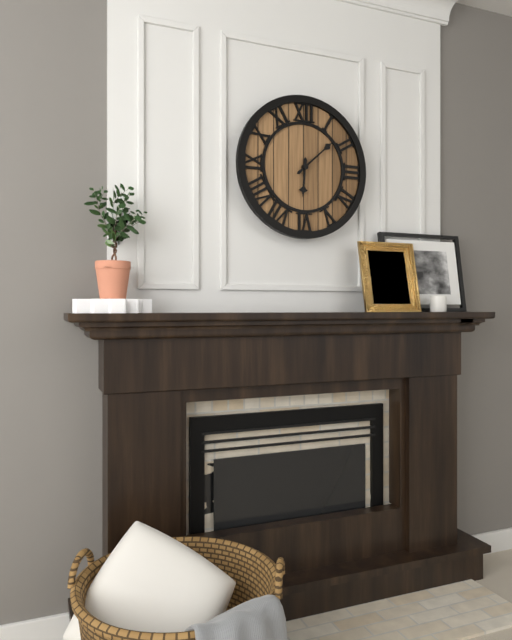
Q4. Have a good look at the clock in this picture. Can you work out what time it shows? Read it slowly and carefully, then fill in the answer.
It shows 6:08
